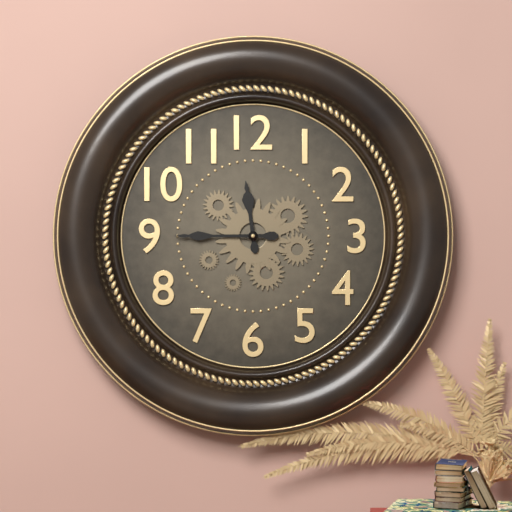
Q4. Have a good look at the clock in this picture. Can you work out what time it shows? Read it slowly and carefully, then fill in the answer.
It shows 11:45
